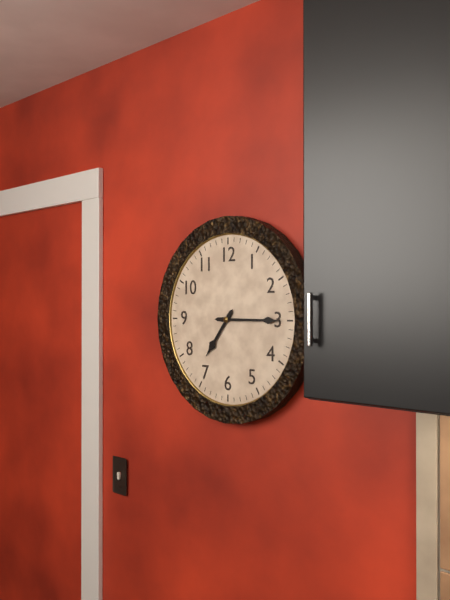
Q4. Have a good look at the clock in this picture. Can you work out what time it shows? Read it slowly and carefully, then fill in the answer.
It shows 7:15
